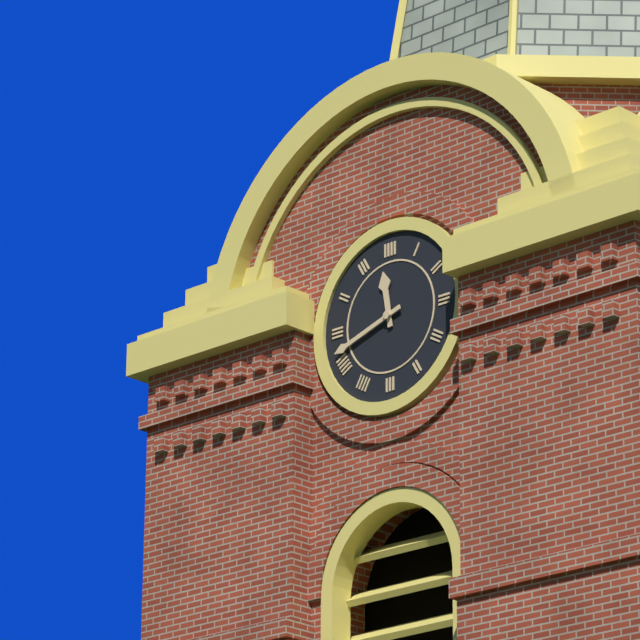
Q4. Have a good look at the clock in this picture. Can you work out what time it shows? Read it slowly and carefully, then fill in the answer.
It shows 11:42
